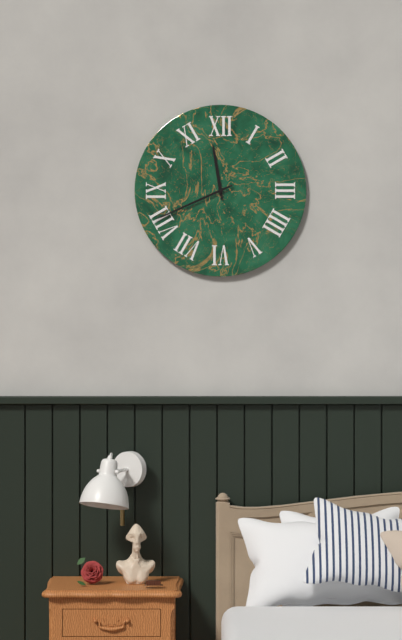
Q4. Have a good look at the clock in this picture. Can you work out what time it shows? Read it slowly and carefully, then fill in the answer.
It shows 11:41
